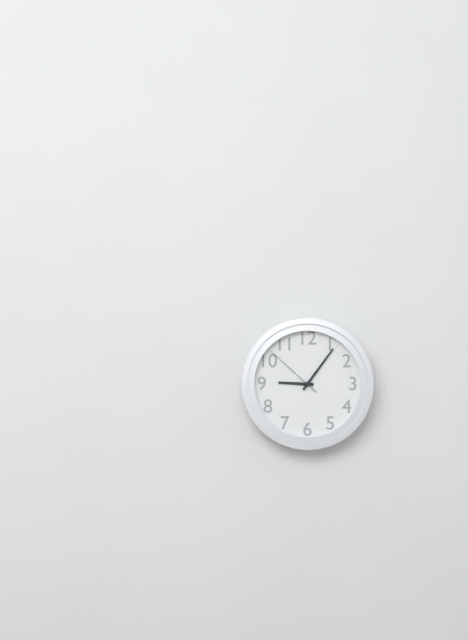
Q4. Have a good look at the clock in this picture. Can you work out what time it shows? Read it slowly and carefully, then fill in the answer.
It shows 9:06:52
